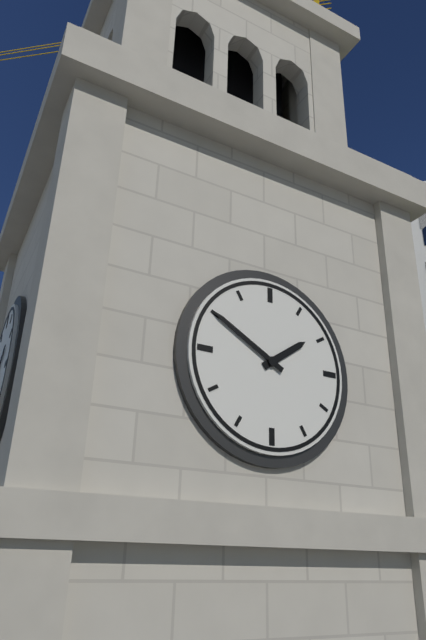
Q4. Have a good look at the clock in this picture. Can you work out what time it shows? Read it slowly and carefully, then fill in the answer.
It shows 1:50
